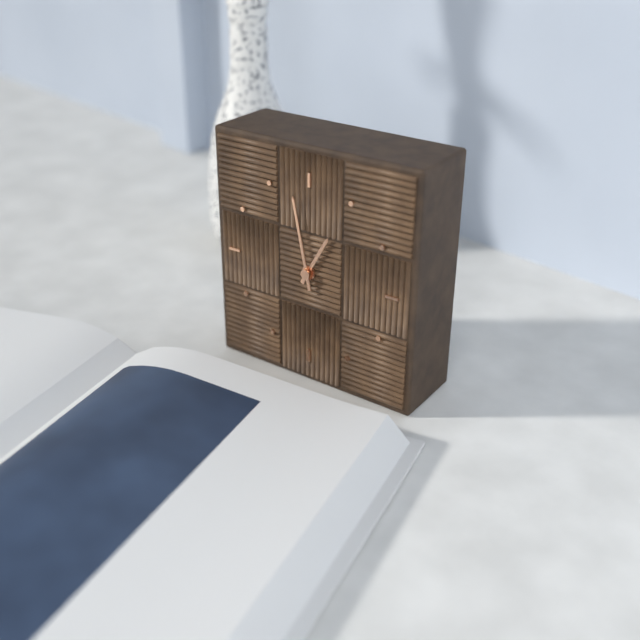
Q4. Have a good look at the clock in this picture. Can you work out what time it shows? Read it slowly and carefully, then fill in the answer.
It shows 12:58
